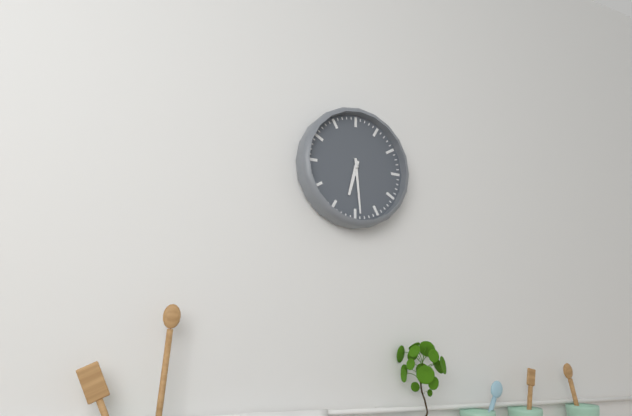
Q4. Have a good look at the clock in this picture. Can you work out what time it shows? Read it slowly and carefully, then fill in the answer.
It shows 6:29
